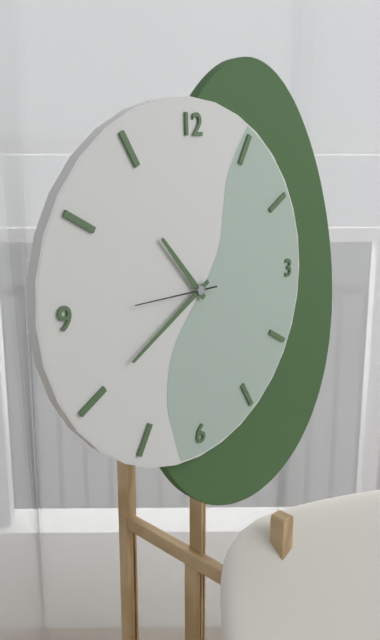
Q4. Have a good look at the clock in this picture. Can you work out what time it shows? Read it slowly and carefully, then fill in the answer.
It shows 10:40:45
